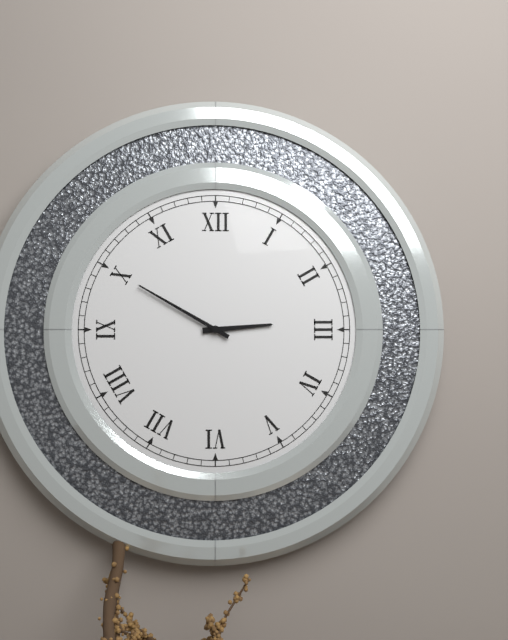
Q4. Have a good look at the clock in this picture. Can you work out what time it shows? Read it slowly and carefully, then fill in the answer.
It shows 2:50
